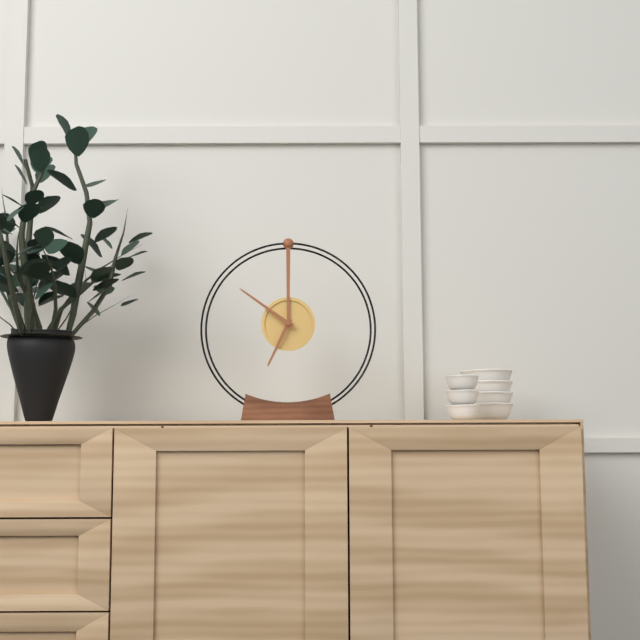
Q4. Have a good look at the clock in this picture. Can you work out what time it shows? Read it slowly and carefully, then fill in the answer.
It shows 6:51
